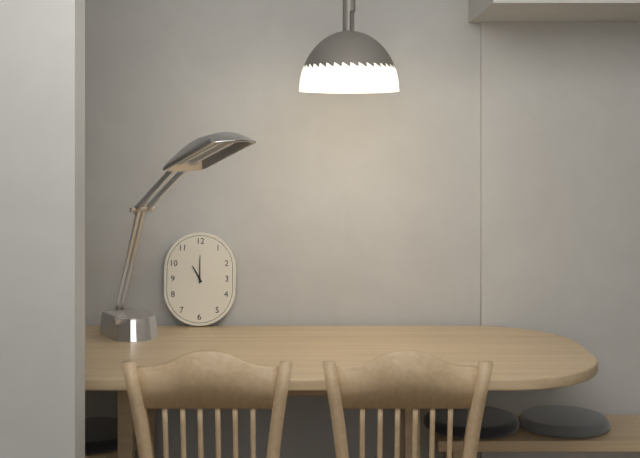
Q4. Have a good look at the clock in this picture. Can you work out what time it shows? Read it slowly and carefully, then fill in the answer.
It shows 11:00
